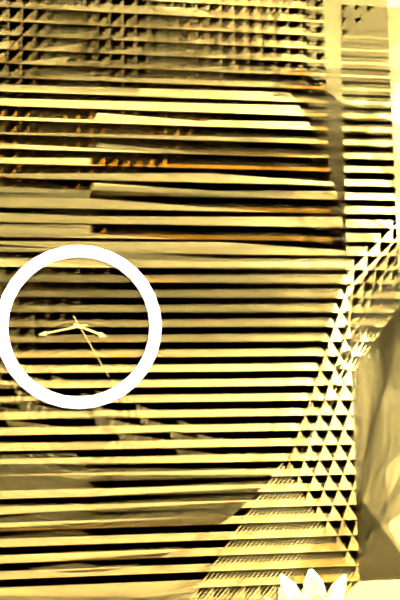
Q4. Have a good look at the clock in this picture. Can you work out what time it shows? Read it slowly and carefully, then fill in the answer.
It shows 3:43:25
